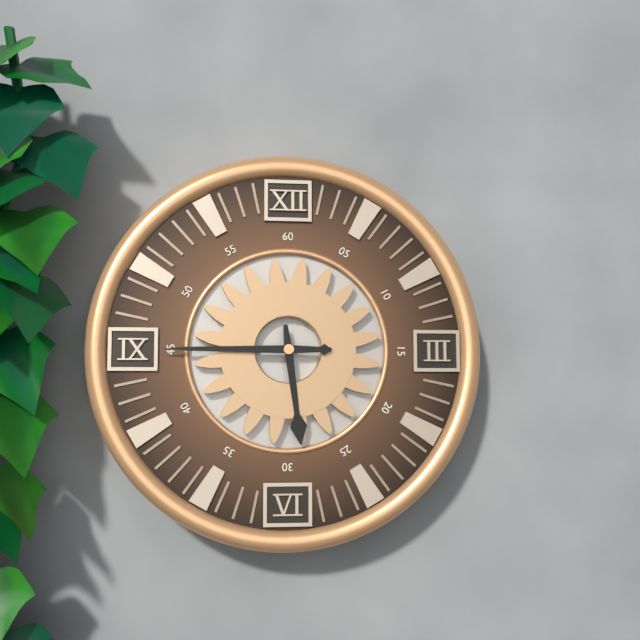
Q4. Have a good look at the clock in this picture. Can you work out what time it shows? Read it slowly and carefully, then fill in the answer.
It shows 5:45
